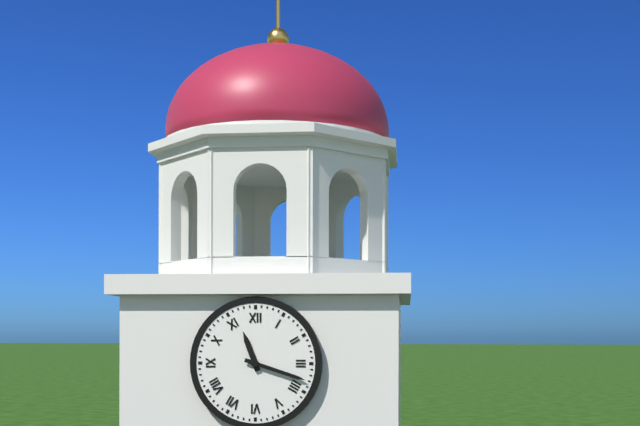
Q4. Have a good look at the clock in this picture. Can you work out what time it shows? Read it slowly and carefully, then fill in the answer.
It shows 11:18
